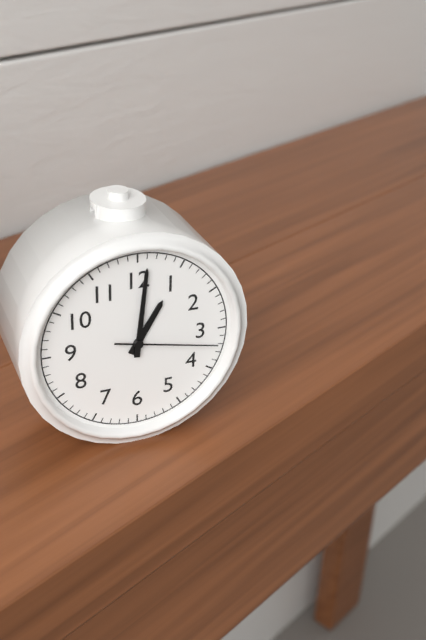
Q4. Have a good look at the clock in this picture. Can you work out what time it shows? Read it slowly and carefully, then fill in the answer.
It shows 1:01:17
